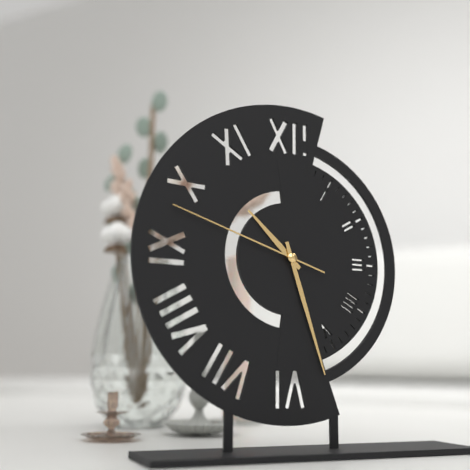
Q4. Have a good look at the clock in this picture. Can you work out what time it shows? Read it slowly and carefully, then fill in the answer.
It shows 10:27:48
